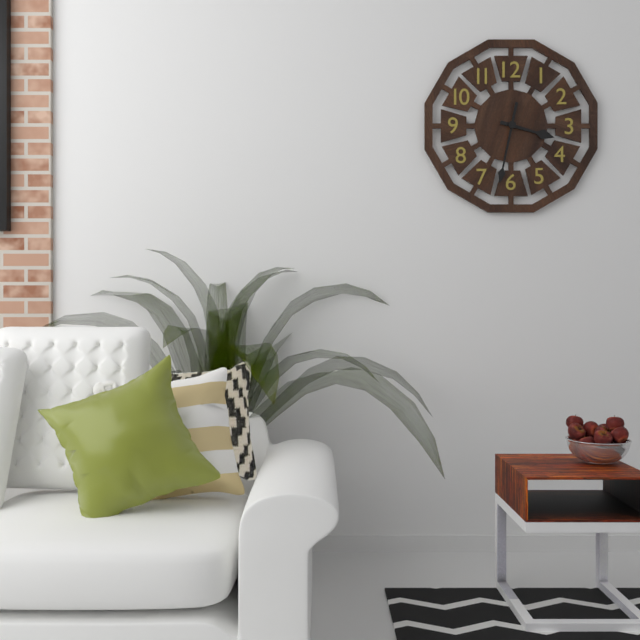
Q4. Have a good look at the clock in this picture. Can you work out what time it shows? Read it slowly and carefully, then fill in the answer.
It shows 3:32
